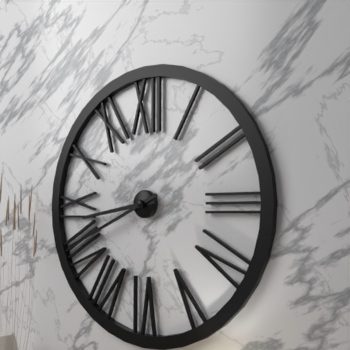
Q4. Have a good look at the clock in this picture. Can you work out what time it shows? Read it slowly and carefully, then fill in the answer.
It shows 8:41
